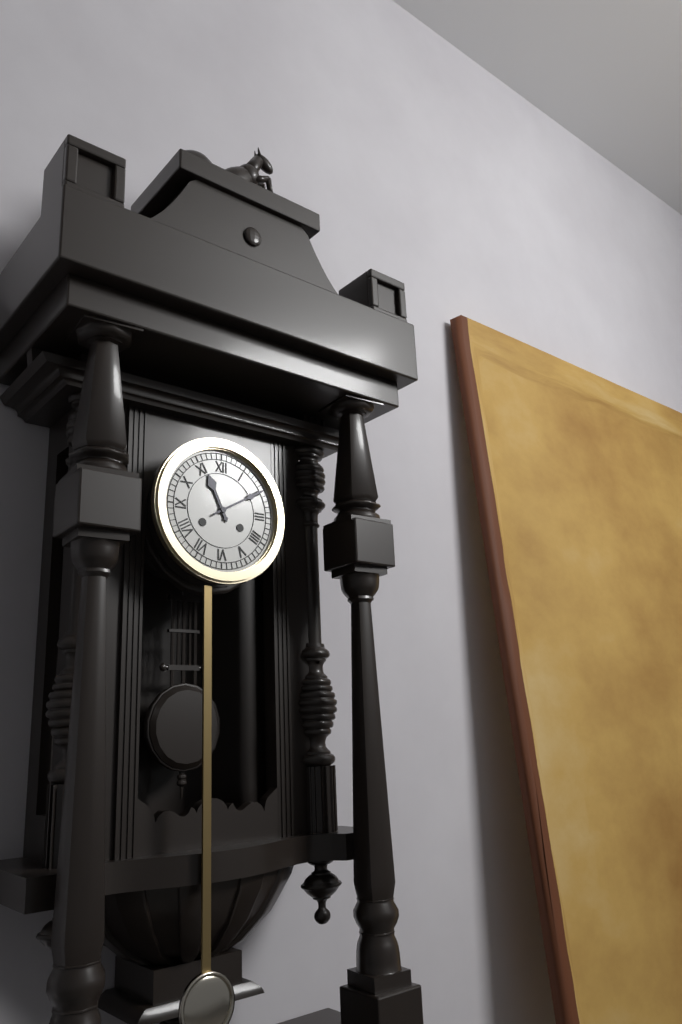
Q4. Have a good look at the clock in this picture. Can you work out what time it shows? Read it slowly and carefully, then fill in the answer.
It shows 11:10
